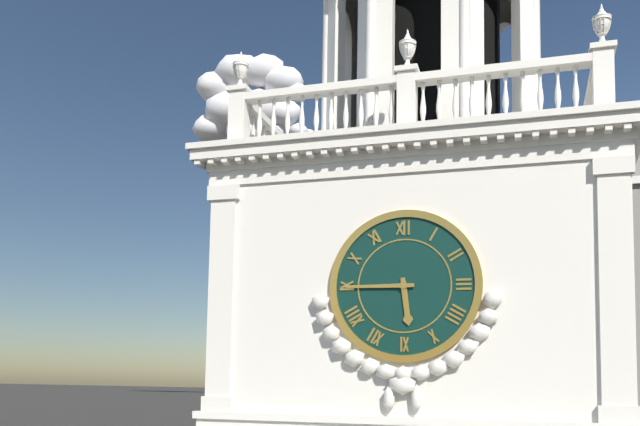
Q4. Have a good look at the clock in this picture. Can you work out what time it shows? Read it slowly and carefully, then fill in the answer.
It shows 5:45
